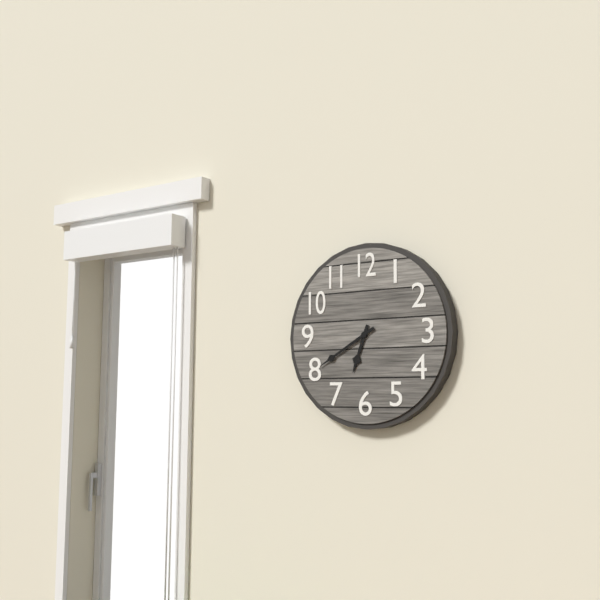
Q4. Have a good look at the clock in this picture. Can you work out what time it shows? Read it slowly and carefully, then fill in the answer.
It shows 6:40
